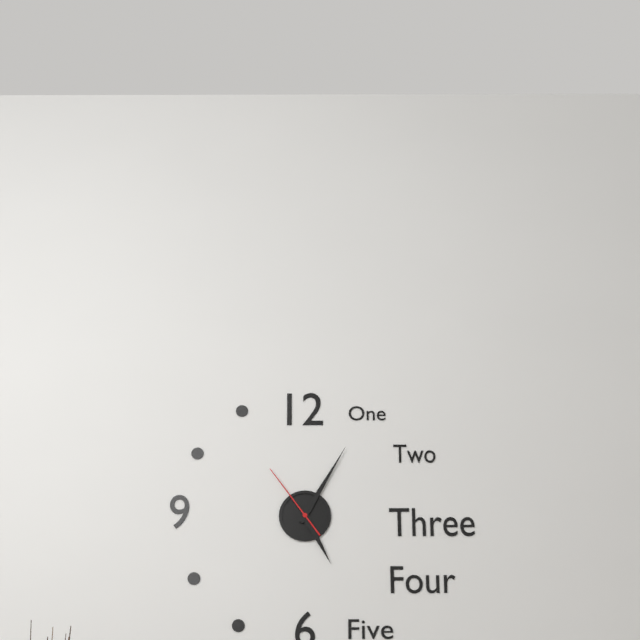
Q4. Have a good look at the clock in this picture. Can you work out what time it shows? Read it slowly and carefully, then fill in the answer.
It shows 5:05:54
